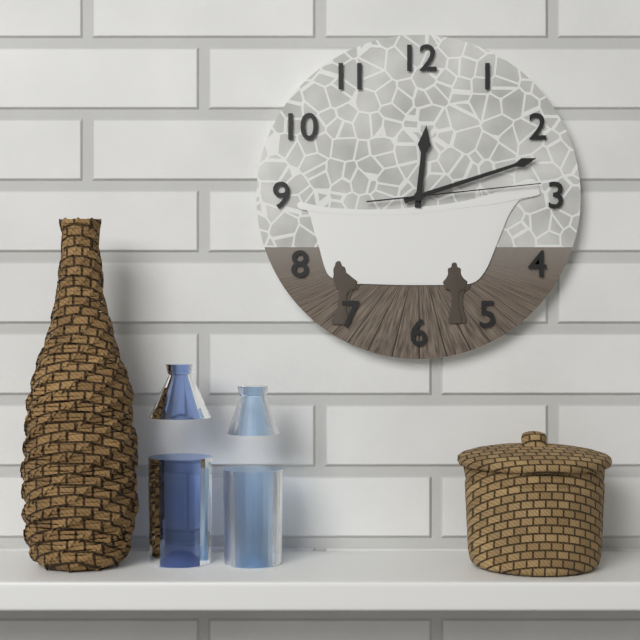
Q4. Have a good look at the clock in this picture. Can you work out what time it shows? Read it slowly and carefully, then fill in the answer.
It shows 12:12:14
